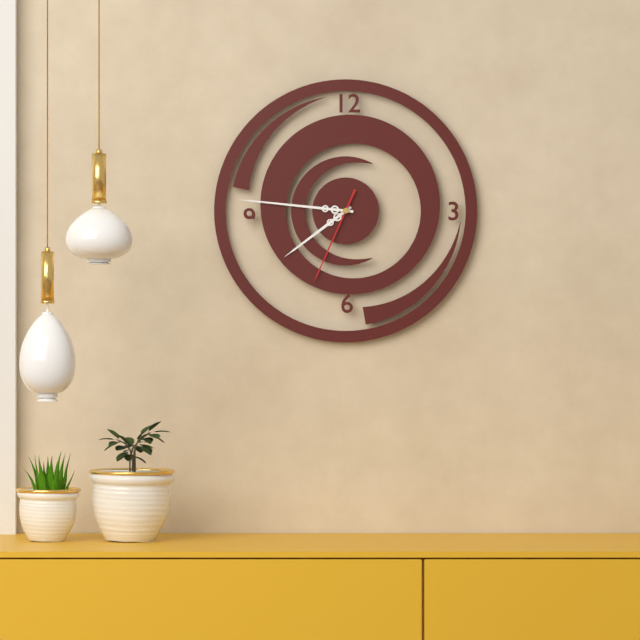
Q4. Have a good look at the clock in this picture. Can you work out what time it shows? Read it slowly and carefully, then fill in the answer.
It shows 7:46:34
